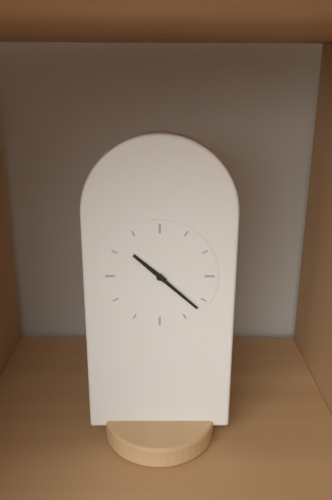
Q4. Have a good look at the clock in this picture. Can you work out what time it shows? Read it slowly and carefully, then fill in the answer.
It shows 10:22
